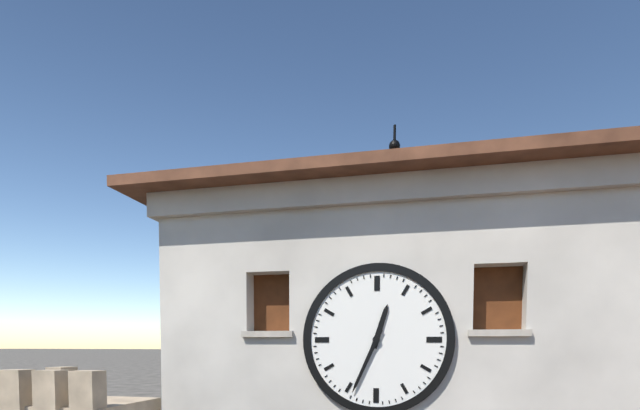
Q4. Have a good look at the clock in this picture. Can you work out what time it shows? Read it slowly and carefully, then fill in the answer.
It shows 12:34
